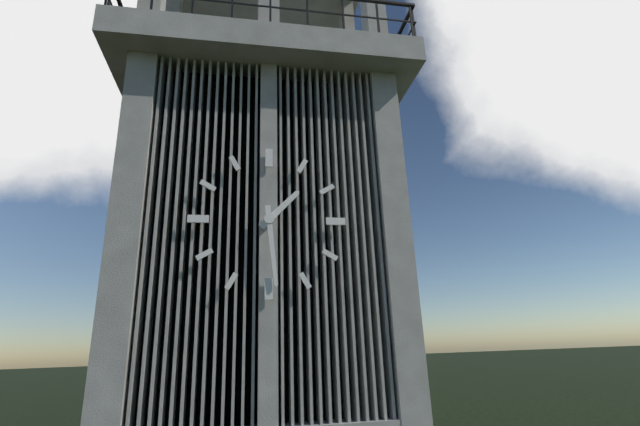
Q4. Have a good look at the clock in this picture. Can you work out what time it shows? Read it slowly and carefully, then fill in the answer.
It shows 1:29
